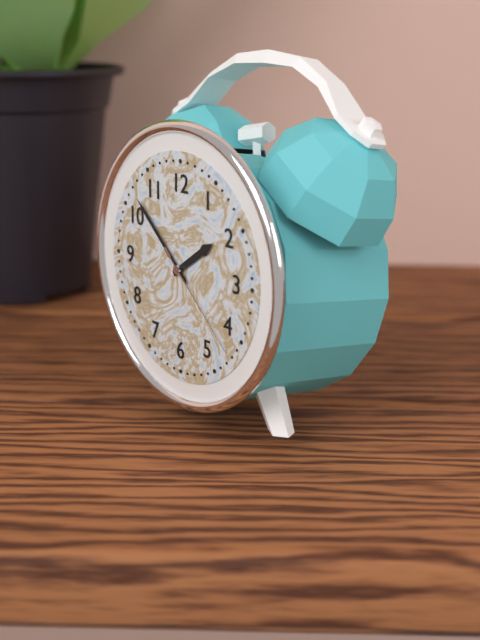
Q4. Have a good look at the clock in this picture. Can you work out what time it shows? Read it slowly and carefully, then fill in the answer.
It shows 1:52:22
